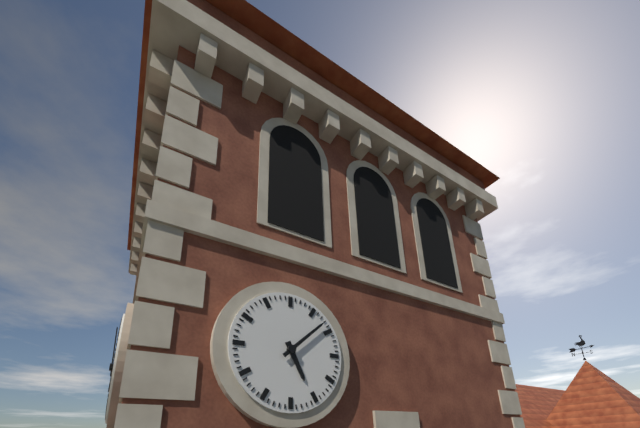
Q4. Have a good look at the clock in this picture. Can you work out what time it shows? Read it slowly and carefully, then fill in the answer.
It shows 5:08
